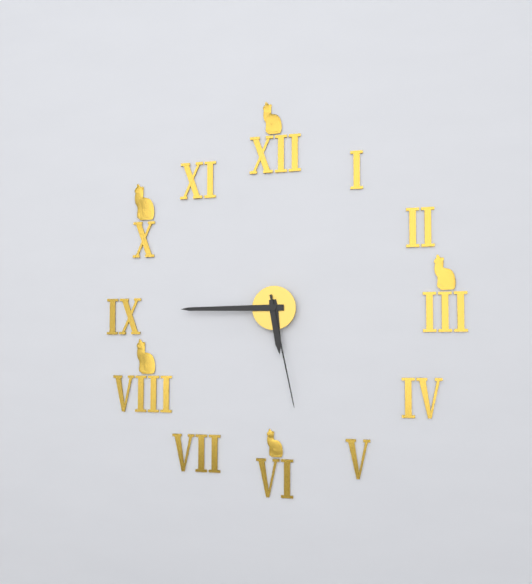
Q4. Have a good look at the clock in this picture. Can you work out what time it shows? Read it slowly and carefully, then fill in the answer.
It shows 5:45:28
